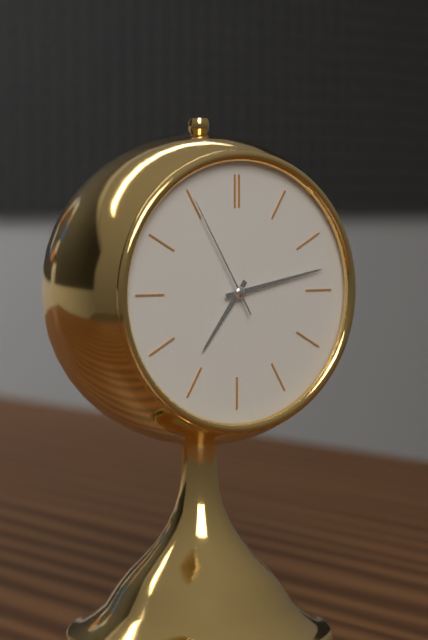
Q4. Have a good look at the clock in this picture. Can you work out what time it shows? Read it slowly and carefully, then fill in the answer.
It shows 7:13:55
